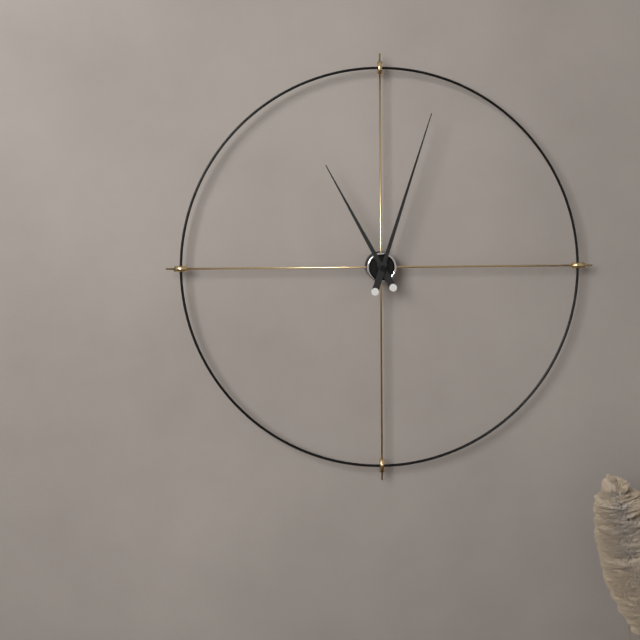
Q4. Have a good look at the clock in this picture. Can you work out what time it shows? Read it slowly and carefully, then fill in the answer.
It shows 11:03
